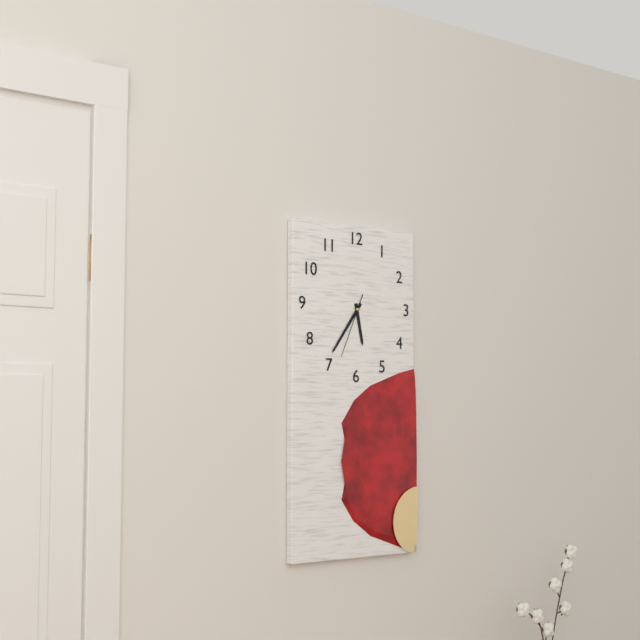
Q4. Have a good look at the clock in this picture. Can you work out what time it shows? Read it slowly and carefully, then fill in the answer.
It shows 5:36:34
